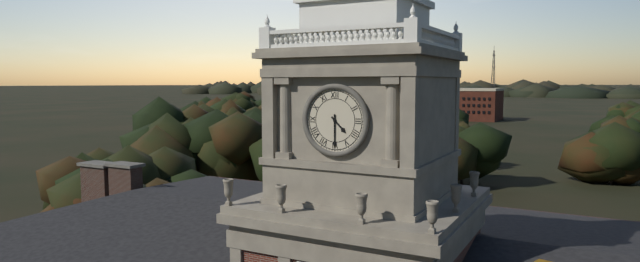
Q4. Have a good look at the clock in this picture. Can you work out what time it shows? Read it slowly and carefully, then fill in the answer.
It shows 4:30
